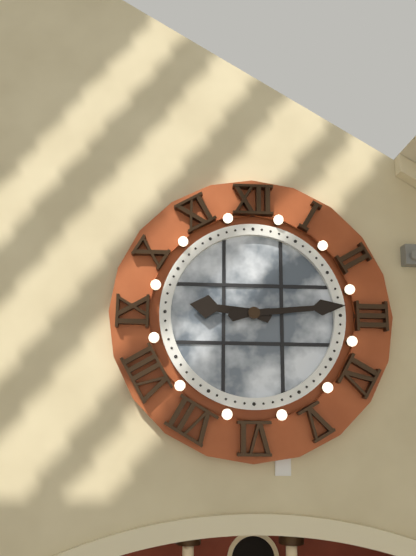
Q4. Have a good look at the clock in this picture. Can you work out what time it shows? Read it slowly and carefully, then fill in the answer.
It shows 9:14
